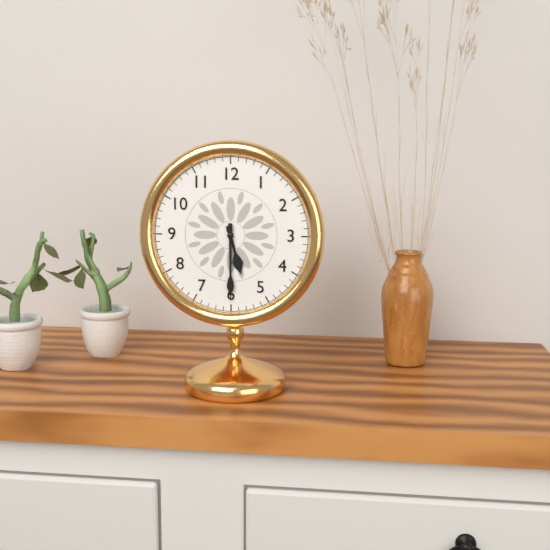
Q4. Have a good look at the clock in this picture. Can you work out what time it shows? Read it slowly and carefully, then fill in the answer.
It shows 5:30
